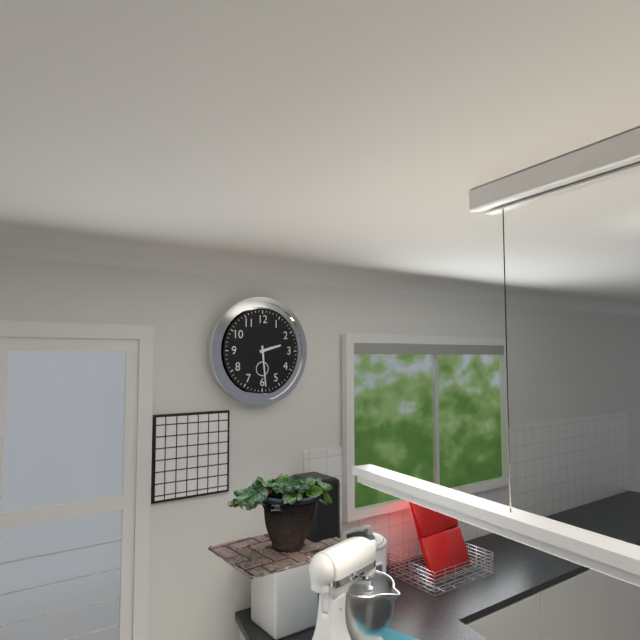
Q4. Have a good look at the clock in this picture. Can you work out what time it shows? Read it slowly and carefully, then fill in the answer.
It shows 2:29
